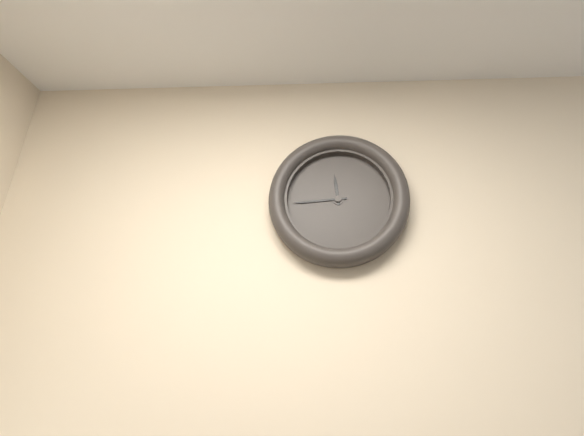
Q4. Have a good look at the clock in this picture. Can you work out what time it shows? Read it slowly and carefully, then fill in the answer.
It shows 11:44
